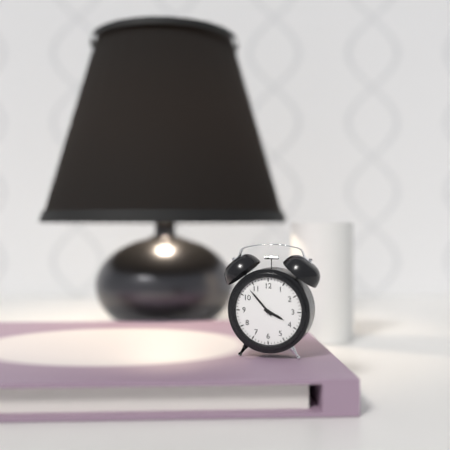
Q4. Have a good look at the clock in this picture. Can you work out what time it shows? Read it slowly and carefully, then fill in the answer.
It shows 3:53
